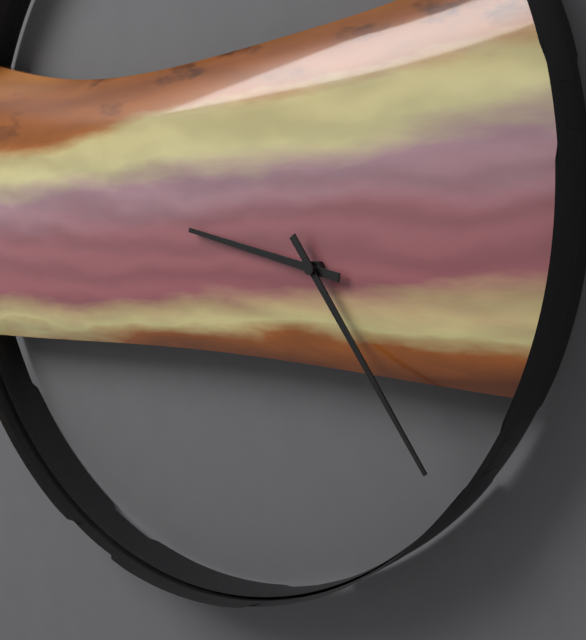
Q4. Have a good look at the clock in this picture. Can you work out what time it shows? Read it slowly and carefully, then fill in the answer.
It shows 9:24
